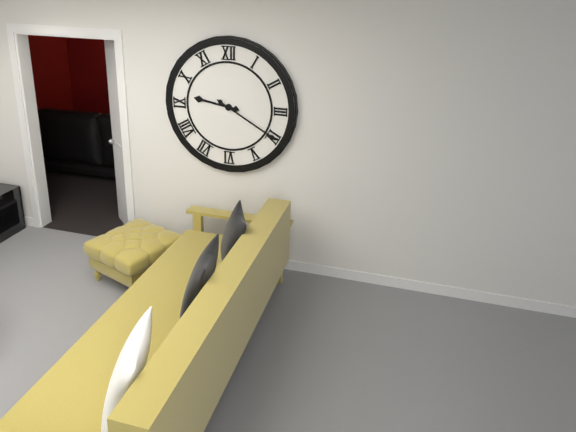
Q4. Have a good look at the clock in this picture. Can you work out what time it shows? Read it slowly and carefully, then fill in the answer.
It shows 9:20
